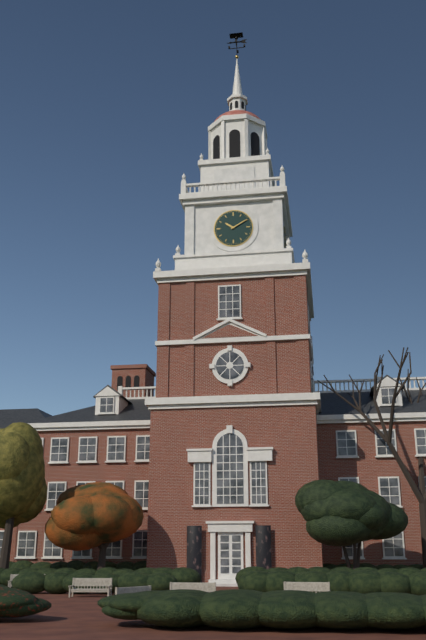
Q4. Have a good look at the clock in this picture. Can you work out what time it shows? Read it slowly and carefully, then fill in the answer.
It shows 10:10
